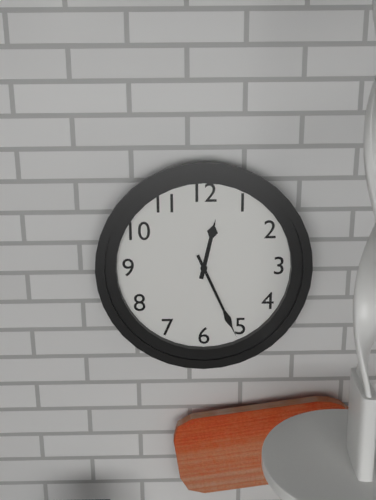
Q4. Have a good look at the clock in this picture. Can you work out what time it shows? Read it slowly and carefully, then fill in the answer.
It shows 12:26
